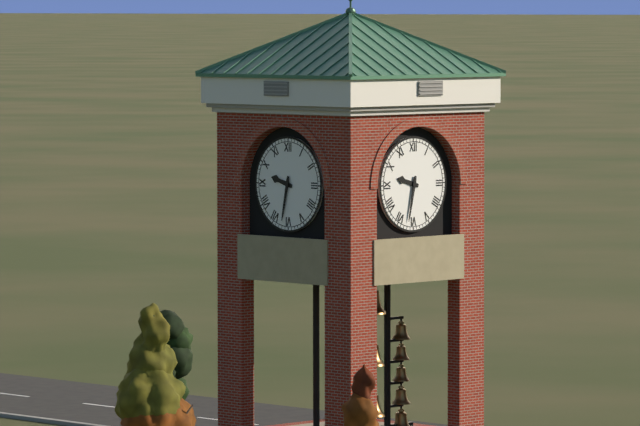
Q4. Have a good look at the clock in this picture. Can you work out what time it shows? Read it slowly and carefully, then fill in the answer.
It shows 9:32
